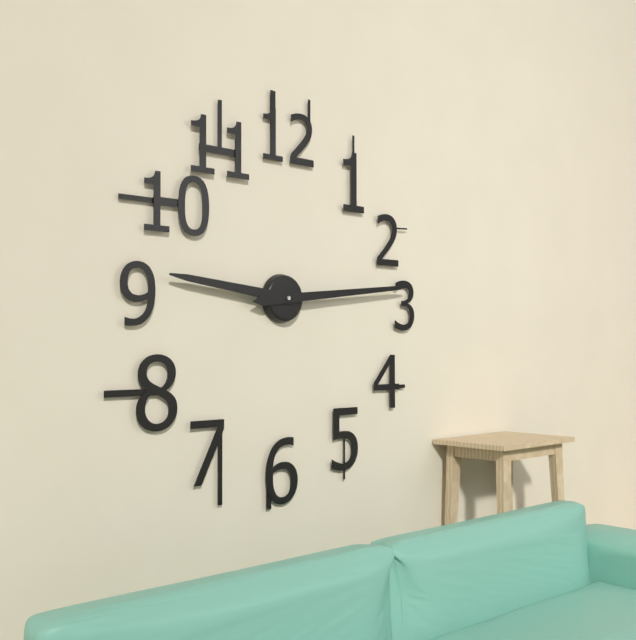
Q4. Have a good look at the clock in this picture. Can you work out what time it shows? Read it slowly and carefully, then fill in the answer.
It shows 9:14
